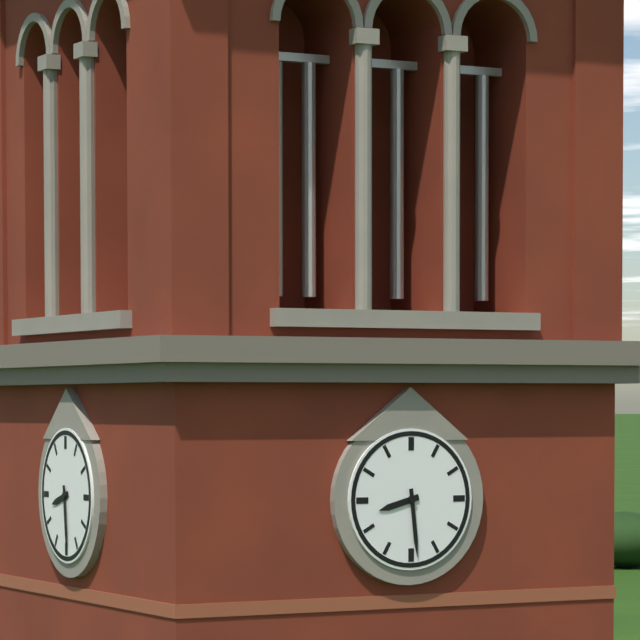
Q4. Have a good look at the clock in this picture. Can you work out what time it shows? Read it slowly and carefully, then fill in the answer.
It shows 8:29
